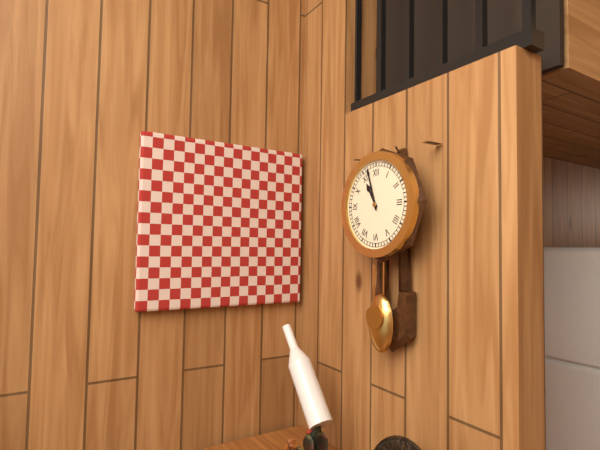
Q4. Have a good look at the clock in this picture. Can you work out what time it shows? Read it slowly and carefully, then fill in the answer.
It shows 10:57
